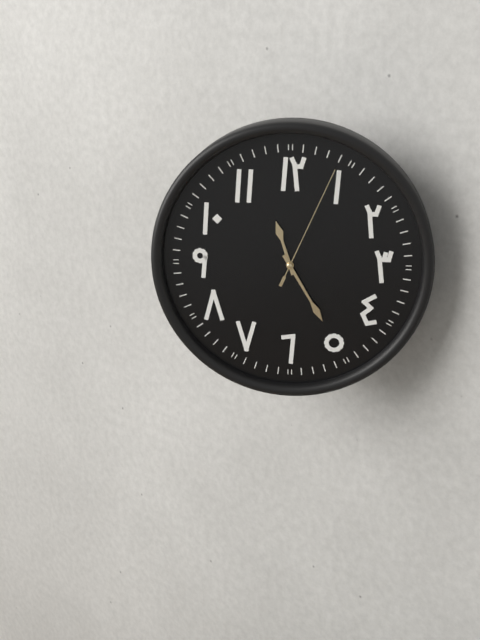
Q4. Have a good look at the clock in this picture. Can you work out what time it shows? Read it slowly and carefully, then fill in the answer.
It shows 11:25:04
